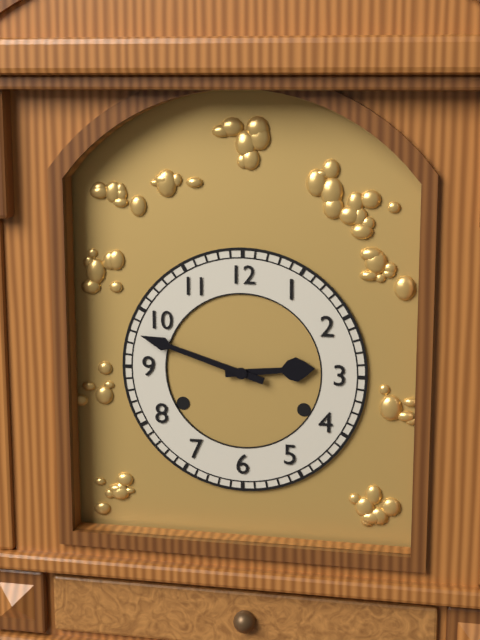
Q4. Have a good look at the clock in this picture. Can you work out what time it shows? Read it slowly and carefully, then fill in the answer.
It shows 2:48
